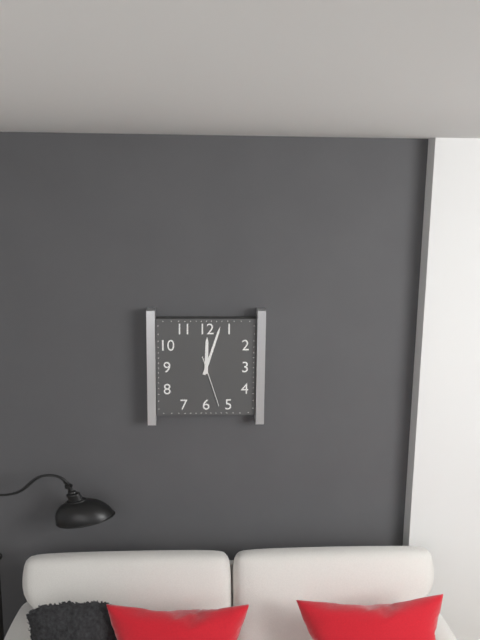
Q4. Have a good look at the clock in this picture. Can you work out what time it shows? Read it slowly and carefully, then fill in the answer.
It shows 12:03:27
